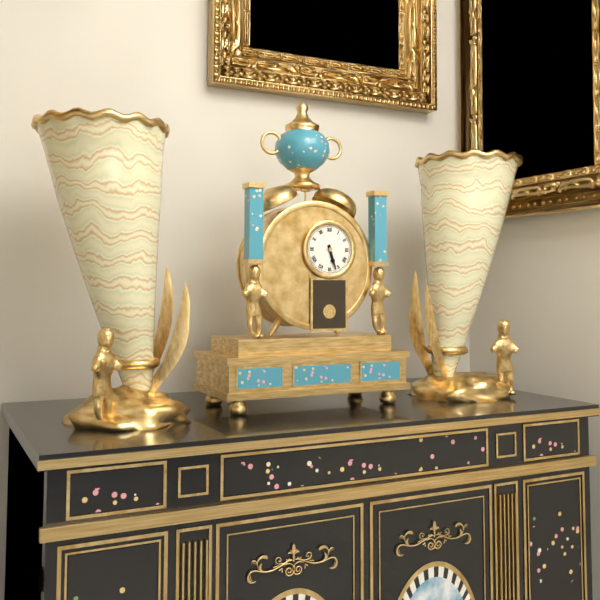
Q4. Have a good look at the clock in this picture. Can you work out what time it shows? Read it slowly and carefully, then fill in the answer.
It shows 5:27
